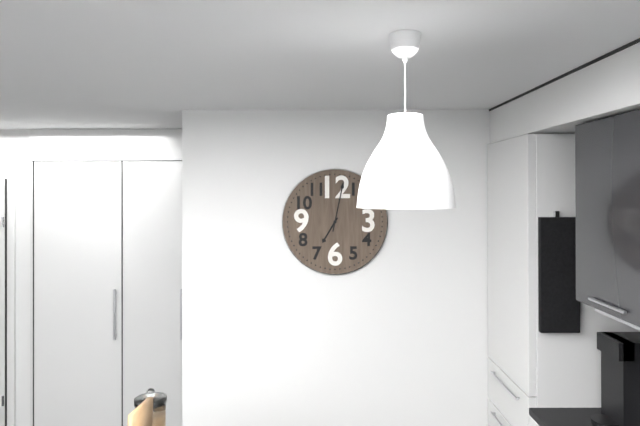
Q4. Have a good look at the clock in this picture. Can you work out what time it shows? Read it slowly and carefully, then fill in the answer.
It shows 7:02
